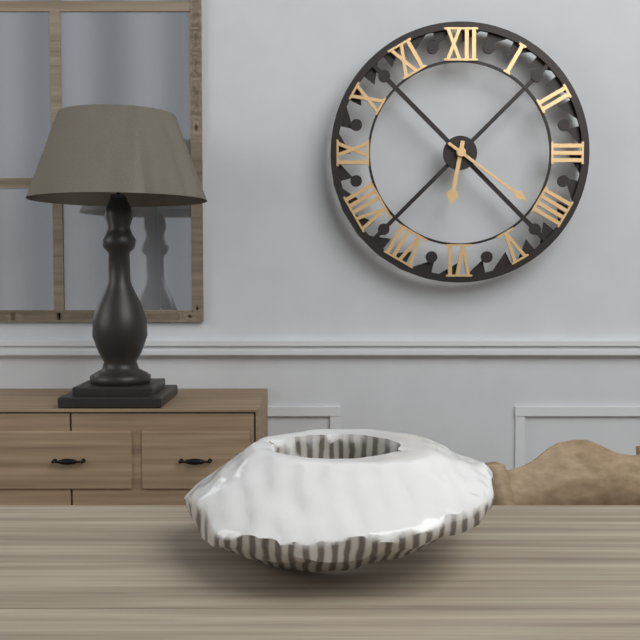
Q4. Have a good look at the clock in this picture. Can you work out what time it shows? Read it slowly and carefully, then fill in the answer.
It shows 6:21
